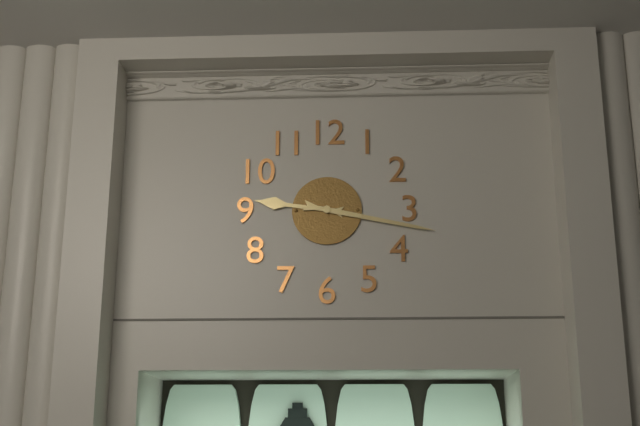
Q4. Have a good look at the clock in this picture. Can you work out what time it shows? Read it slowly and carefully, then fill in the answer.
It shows 9:17
